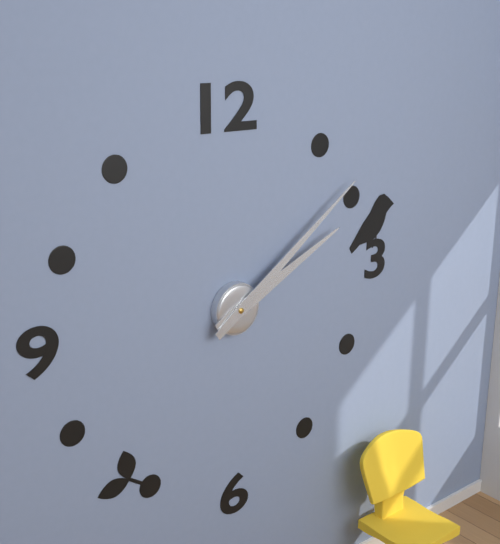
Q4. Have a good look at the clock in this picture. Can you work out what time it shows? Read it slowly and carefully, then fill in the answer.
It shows 2:09
